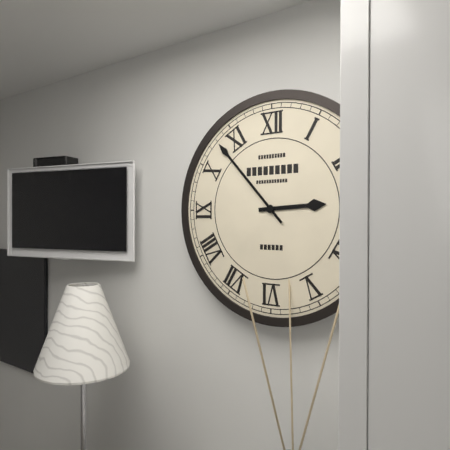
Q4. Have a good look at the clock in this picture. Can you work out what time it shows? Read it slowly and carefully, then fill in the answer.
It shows 2:53
